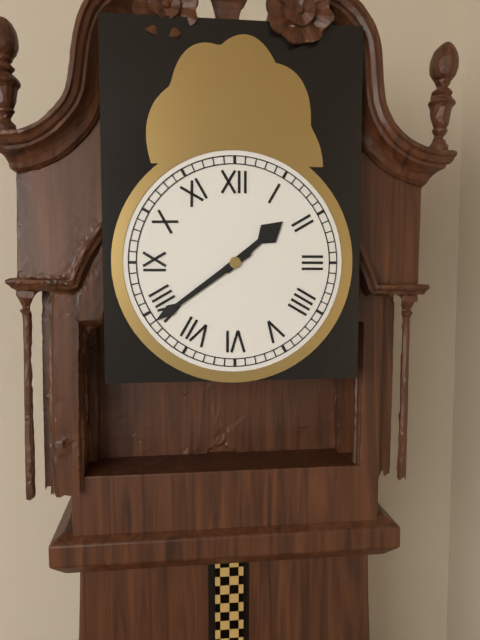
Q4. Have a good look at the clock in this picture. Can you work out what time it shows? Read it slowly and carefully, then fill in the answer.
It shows 1:39
